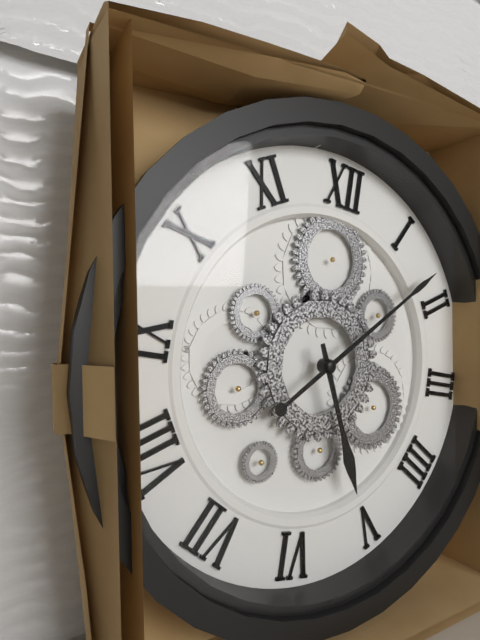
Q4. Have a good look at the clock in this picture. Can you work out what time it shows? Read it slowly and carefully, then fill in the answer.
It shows 5:08
